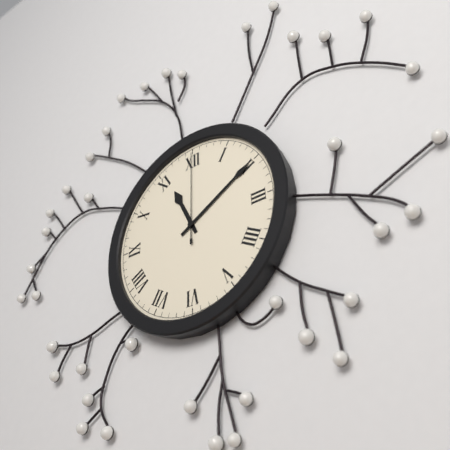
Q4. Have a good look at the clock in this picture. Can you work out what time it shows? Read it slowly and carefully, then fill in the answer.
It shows 11:10:00
